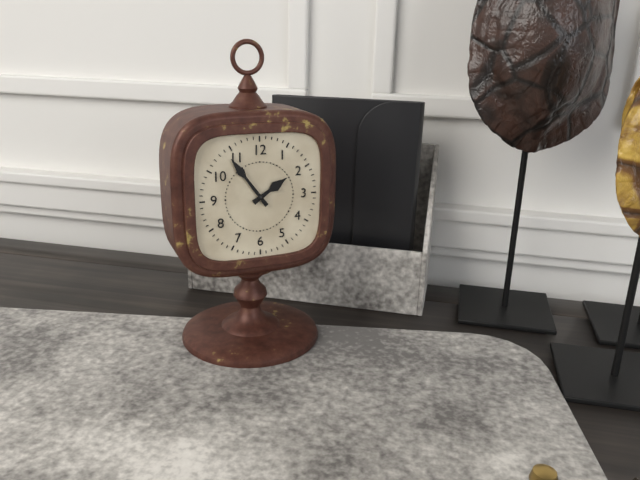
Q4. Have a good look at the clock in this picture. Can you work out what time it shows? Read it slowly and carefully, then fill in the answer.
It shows 1:54
